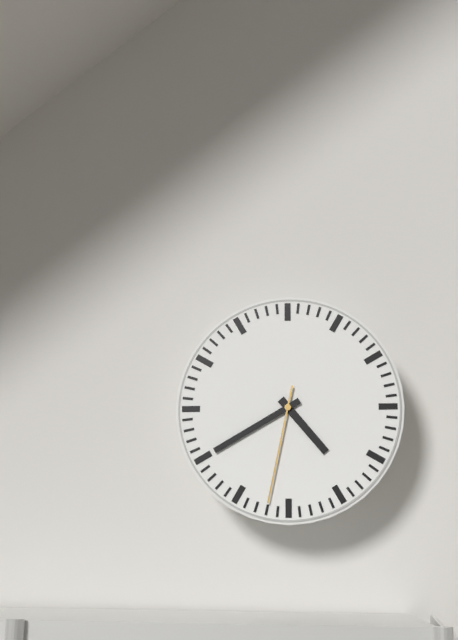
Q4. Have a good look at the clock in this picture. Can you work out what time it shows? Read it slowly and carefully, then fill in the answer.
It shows 4:40:32
